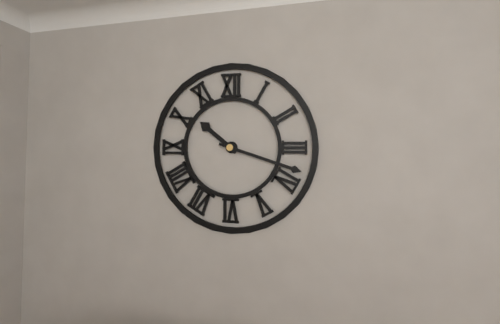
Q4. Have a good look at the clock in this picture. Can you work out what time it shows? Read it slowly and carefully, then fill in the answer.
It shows 10:18
